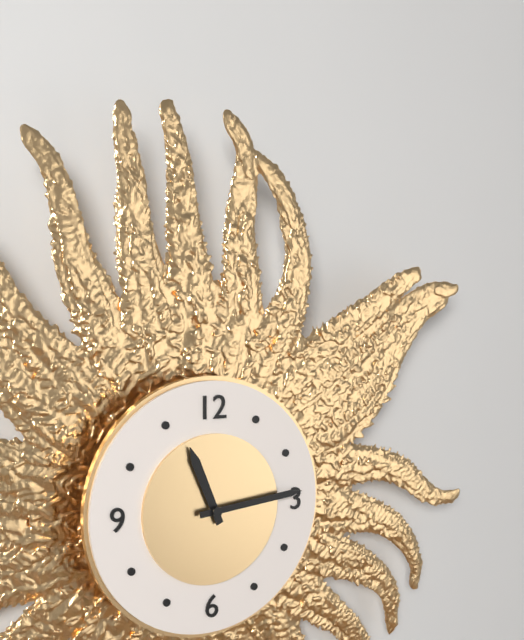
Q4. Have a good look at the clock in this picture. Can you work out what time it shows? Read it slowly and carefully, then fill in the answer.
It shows 11:14
